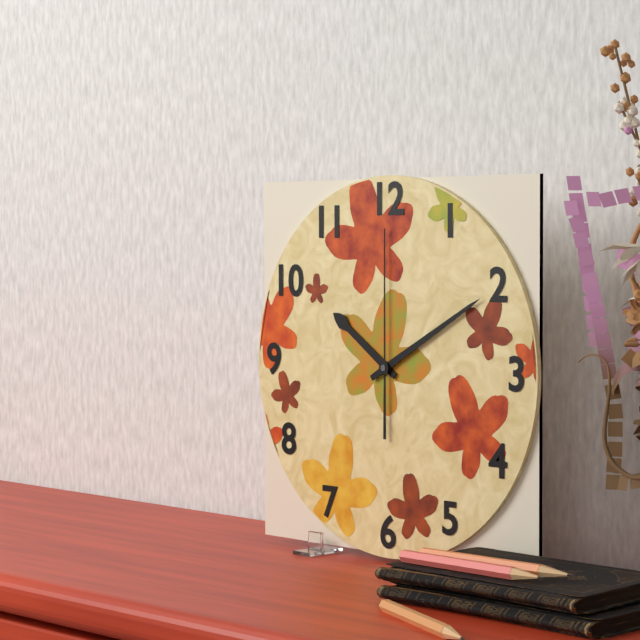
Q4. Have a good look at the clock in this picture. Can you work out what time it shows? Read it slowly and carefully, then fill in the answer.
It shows 10:10:00
